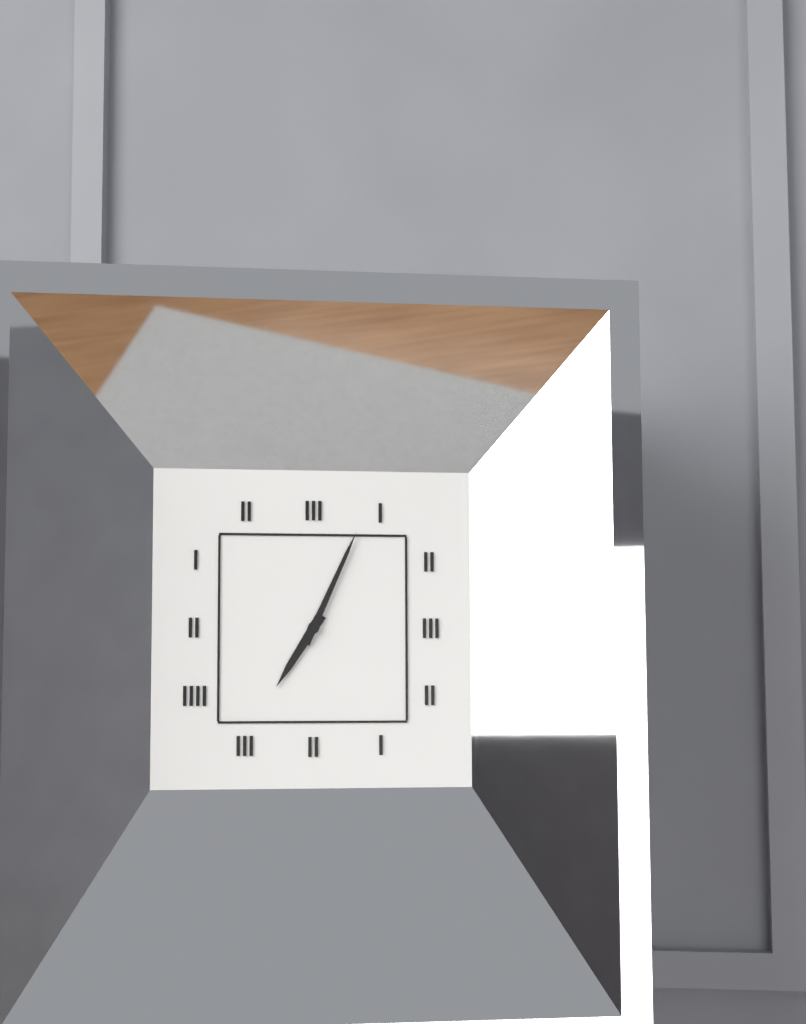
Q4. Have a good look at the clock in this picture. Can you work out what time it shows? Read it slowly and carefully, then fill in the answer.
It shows 7:04
